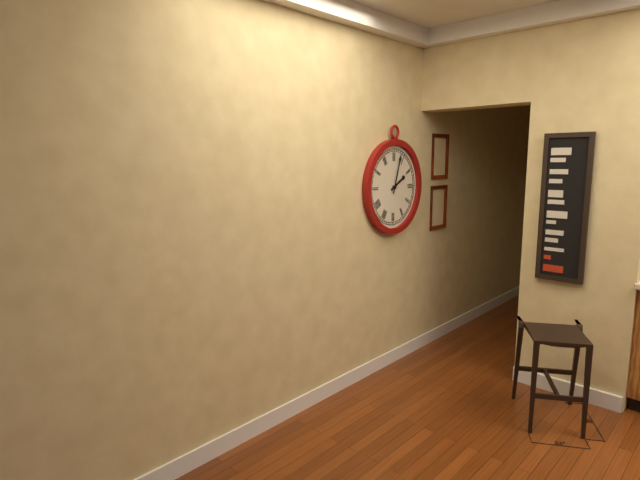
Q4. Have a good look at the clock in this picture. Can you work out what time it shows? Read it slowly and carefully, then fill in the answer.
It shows 2:03
